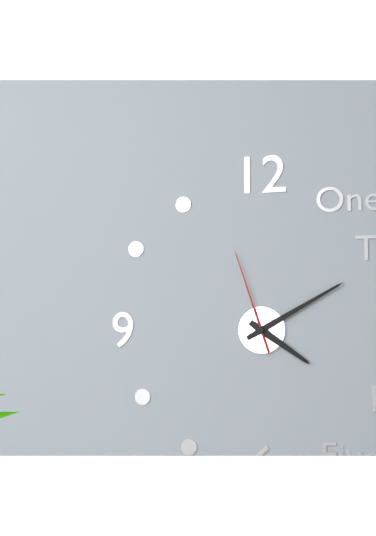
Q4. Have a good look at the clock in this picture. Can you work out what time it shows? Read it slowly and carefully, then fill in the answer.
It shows 4:10:57
